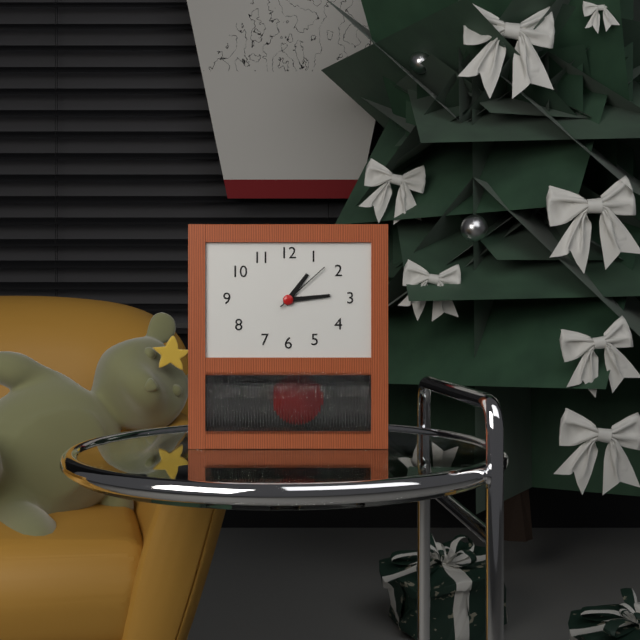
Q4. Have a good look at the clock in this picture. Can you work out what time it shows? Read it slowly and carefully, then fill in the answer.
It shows 1:14:08
